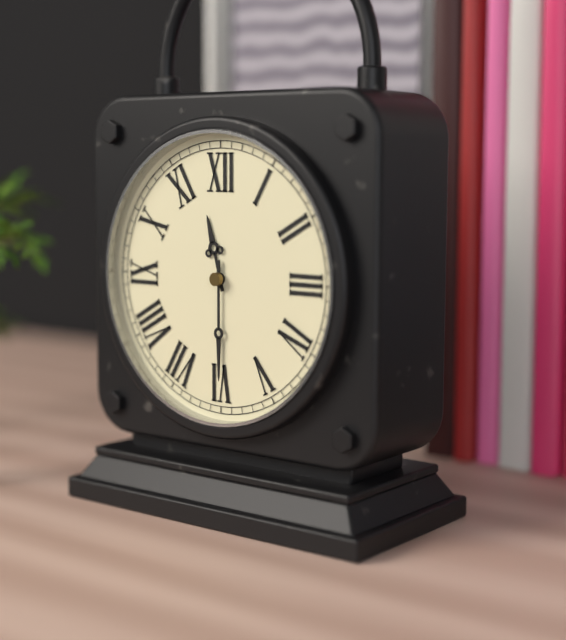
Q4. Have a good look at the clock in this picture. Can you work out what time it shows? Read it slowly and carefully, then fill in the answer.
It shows 11:30
